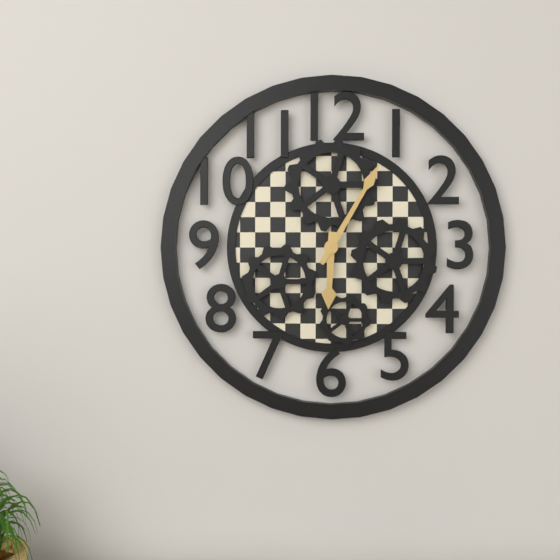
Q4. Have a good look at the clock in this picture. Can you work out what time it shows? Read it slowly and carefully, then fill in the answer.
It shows 6:05
